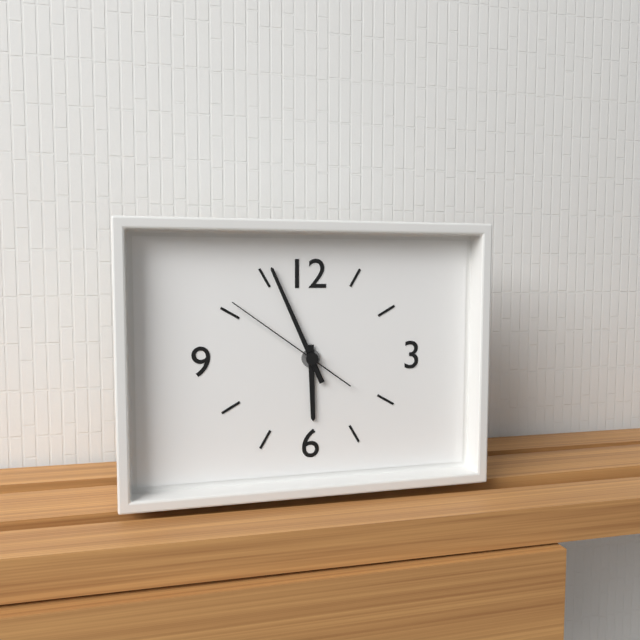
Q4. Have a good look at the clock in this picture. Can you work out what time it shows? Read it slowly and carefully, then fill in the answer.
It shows 5:56:51
